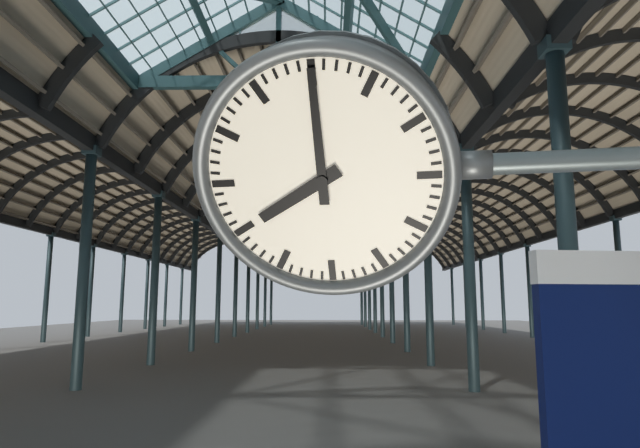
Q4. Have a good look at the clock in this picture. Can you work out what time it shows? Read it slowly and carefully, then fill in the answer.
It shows 8:00
